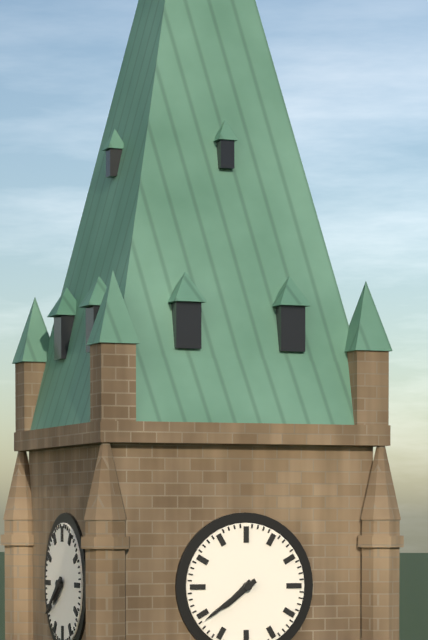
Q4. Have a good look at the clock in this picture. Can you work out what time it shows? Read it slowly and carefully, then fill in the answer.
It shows 7:39
